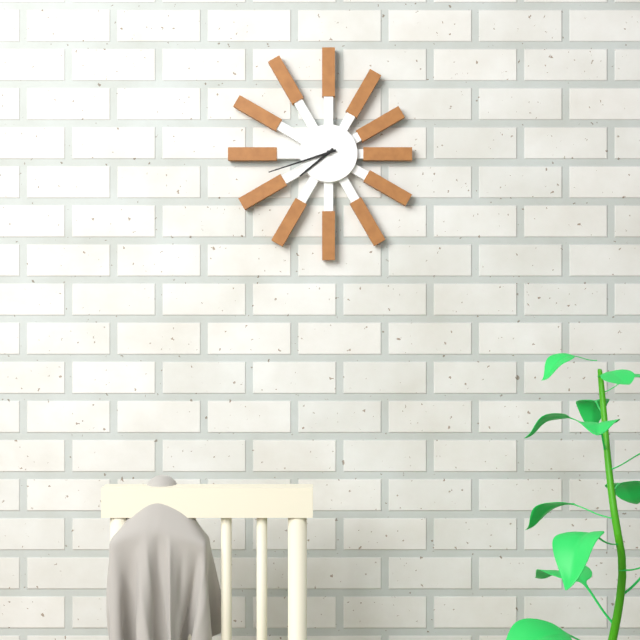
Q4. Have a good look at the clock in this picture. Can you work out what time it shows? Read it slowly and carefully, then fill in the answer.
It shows 7:42
